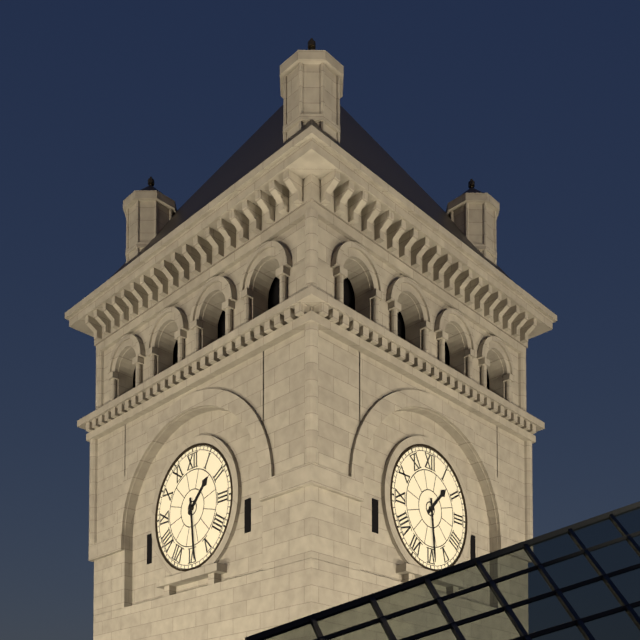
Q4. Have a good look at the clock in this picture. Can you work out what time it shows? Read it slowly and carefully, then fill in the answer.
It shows 1:29
